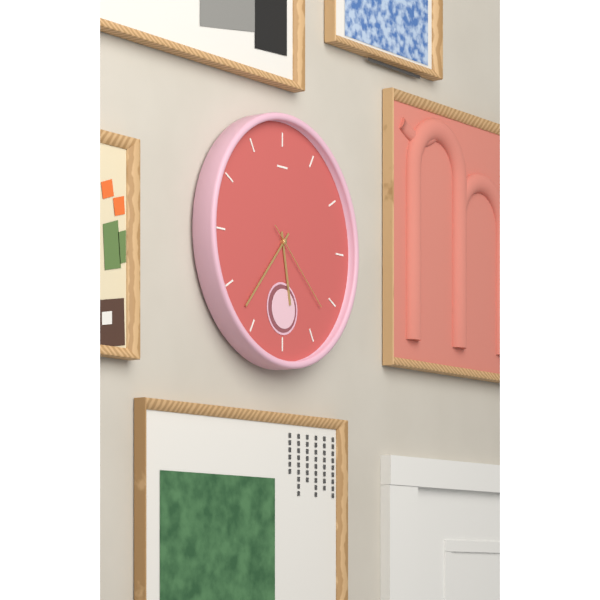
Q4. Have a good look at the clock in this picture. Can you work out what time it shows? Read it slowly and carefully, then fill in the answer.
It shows 5:37:22
